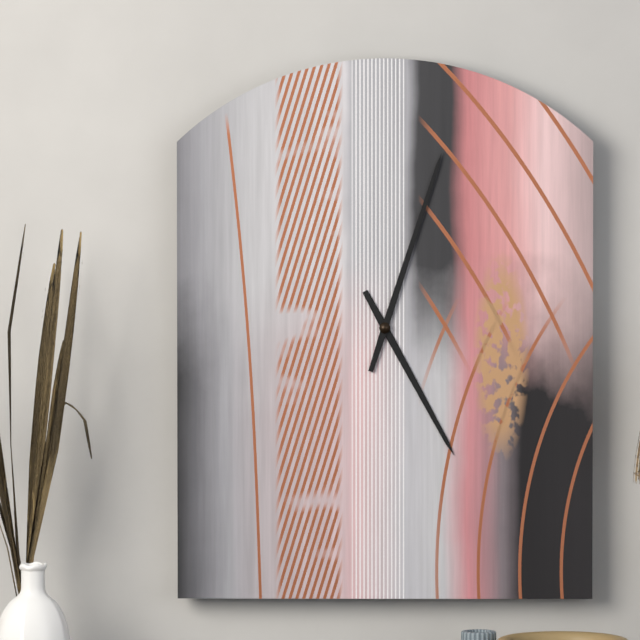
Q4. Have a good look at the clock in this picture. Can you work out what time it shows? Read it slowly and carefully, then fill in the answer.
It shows 5:03
